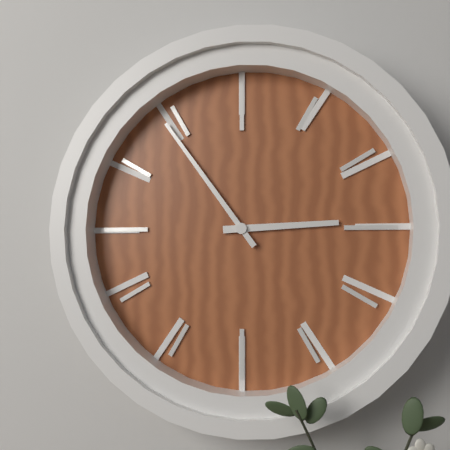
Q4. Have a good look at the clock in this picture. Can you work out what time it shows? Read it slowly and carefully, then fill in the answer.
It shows 2:54
